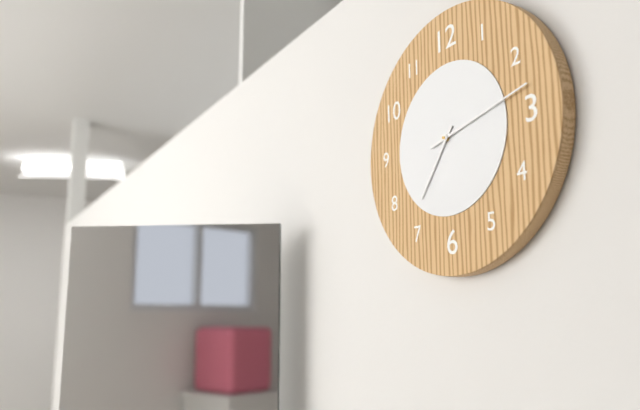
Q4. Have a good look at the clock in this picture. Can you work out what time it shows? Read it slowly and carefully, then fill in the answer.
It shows 7:13
